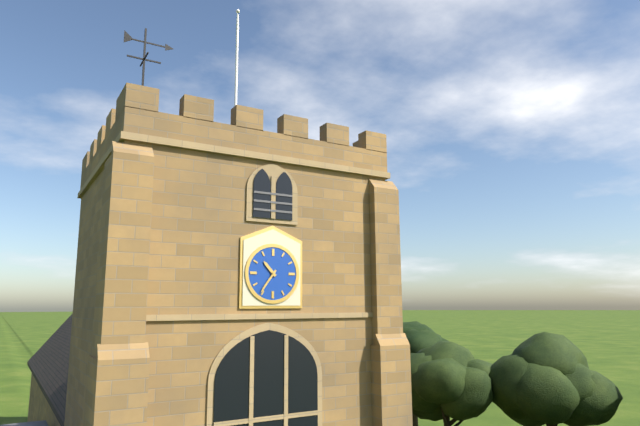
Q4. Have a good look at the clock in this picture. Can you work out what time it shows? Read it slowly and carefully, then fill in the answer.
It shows 10:36
